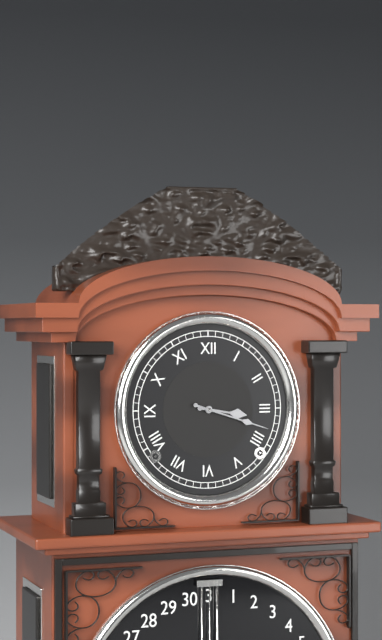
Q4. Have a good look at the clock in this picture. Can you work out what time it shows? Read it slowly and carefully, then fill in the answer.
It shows 3:18
